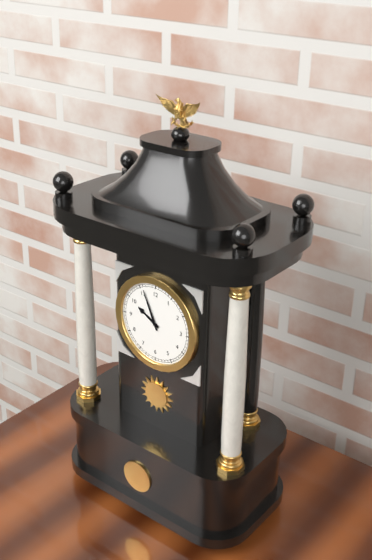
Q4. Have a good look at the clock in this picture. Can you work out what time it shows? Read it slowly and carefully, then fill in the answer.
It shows 9:56
